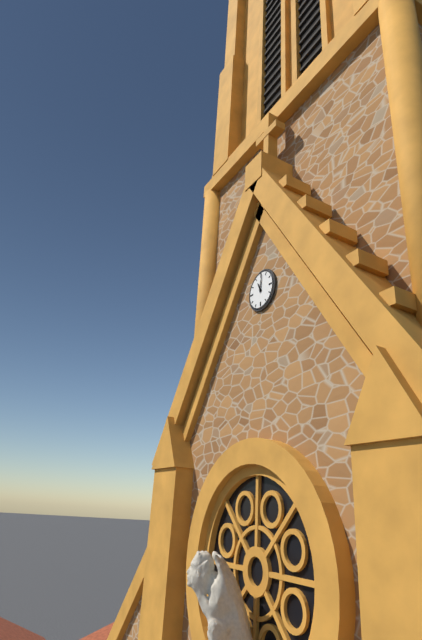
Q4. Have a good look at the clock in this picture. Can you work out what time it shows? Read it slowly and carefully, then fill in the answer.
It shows 11:01
